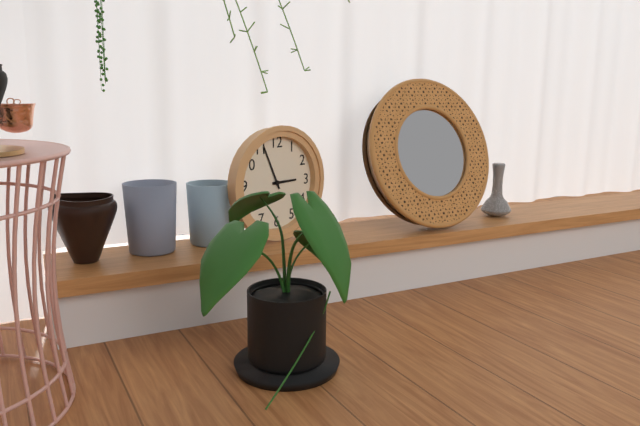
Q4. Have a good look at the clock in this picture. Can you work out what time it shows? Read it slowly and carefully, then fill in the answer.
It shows 2:56
